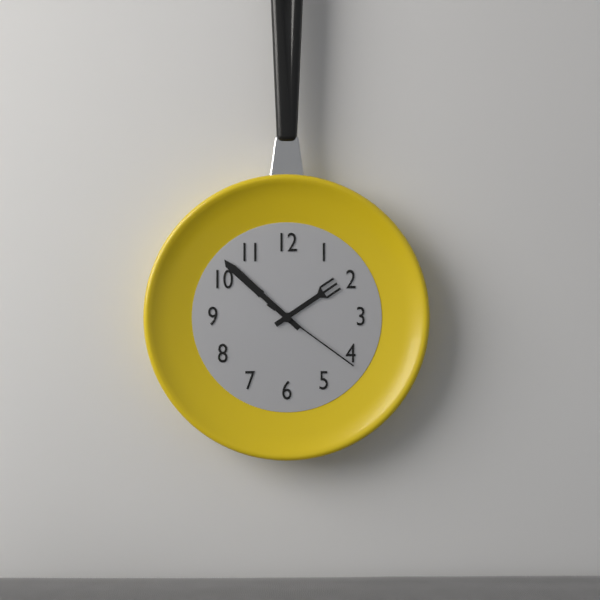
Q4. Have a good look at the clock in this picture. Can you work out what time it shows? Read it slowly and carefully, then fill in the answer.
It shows 1:52:21
